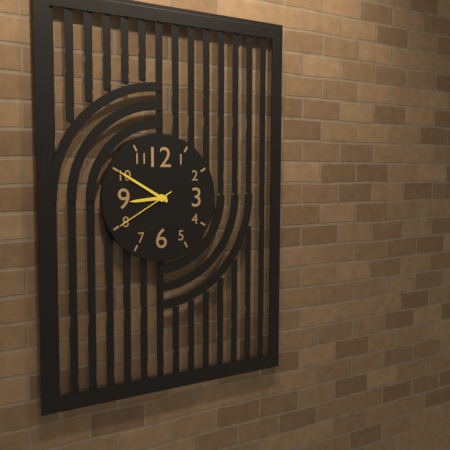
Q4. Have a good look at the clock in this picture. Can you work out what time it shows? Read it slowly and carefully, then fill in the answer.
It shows 8:50:40
